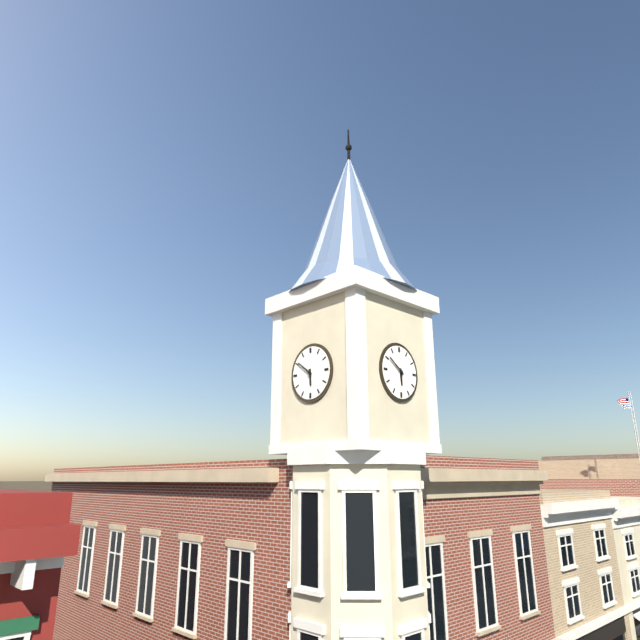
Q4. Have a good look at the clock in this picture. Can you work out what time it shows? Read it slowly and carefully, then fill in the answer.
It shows 5:51
